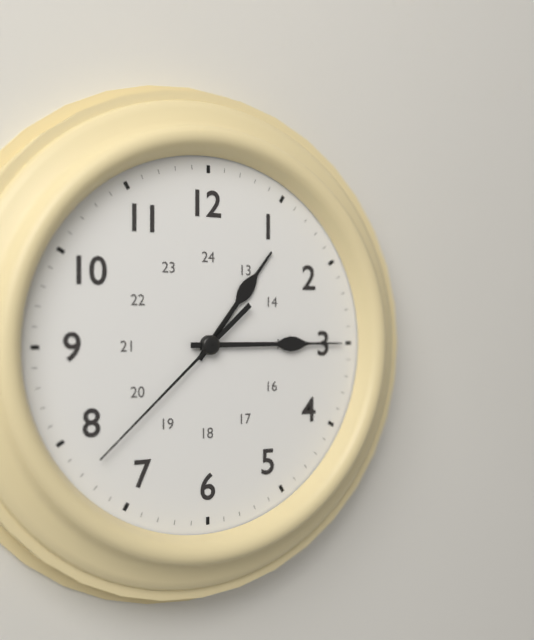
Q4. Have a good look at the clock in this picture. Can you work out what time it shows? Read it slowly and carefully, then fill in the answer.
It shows 1:15:38
